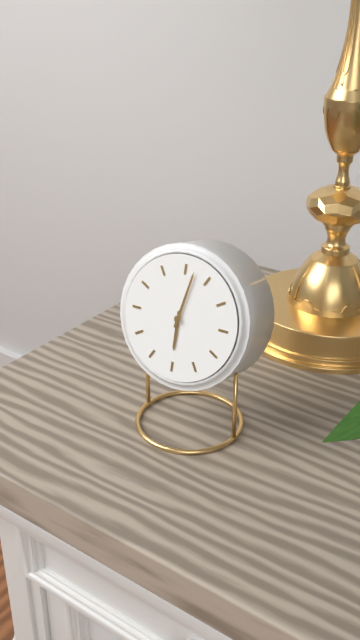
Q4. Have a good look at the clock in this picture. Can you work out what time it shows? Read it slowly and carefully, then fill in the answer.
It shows 6:02
